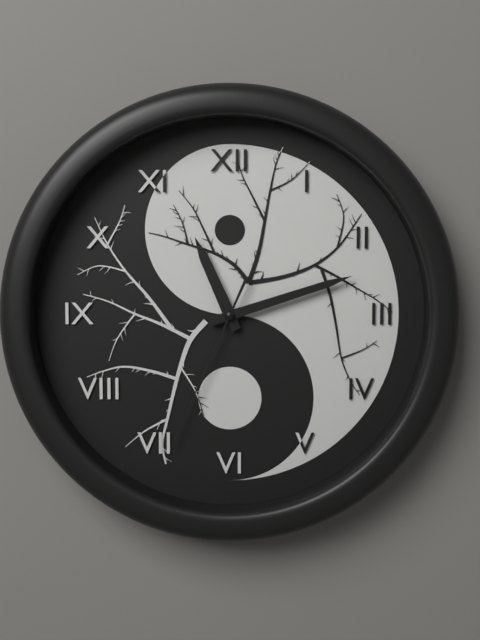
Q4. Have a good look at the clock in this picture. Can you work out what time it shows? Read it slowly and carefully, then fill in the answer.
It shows 11:12:34
